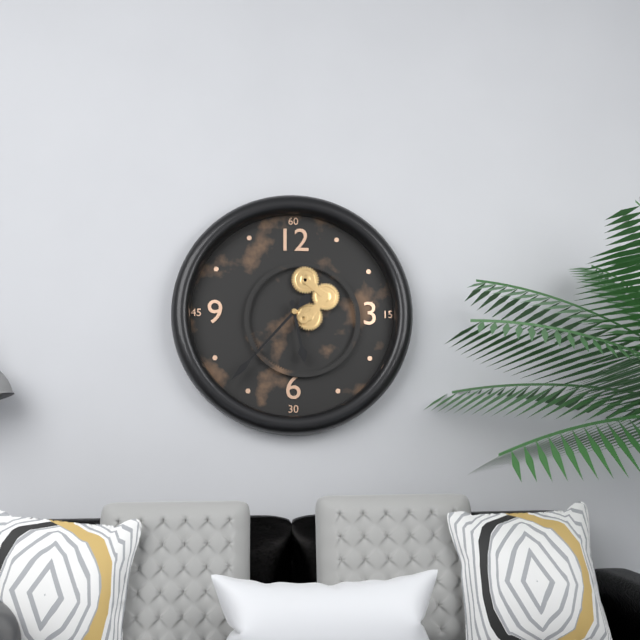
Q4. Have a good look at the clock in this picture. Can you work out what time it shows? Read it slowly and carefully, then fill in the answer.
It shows 5:37
